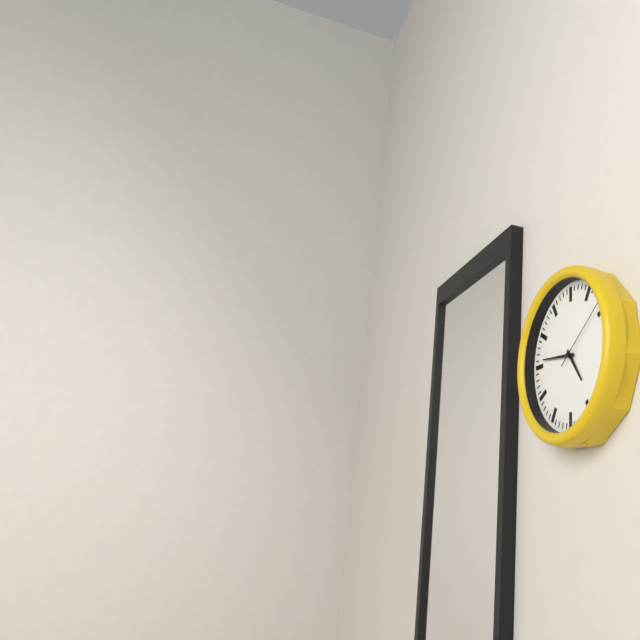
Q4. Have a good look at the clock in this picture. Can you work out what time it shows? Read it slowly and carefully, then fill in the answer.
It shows 4:46:09
